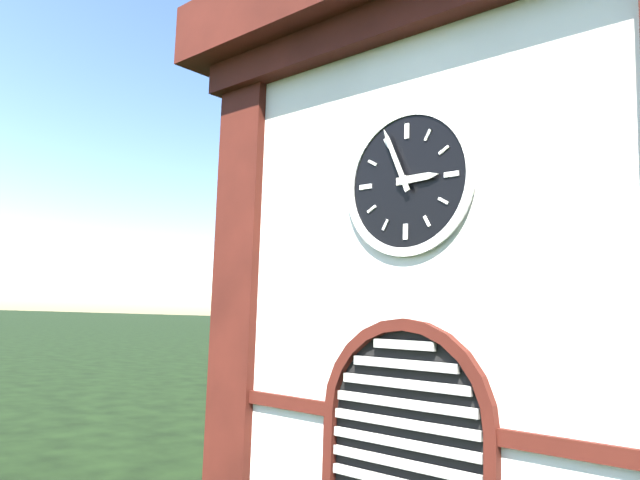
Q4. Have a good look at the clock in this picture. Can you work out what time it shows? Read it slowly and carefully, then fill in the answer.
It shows 2:56
